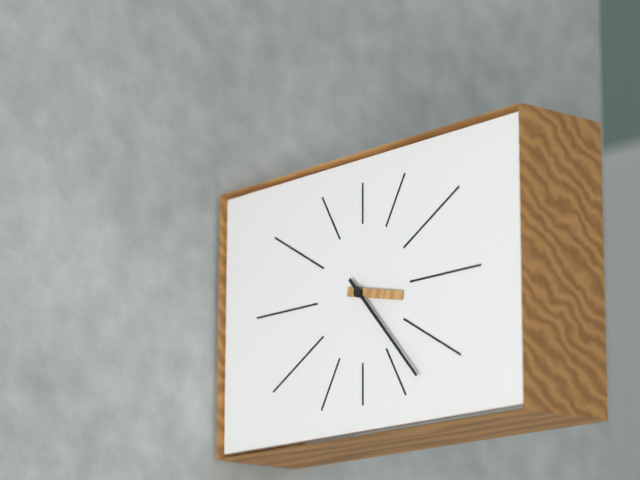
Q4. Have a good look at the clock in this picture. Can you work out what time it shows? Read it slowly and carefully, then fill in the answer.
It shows 3:23
